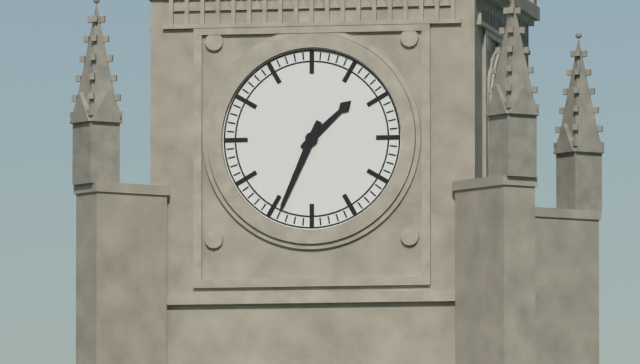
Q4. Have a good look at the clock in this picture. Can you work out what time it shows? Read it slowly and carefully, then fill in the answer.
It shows 1:34
